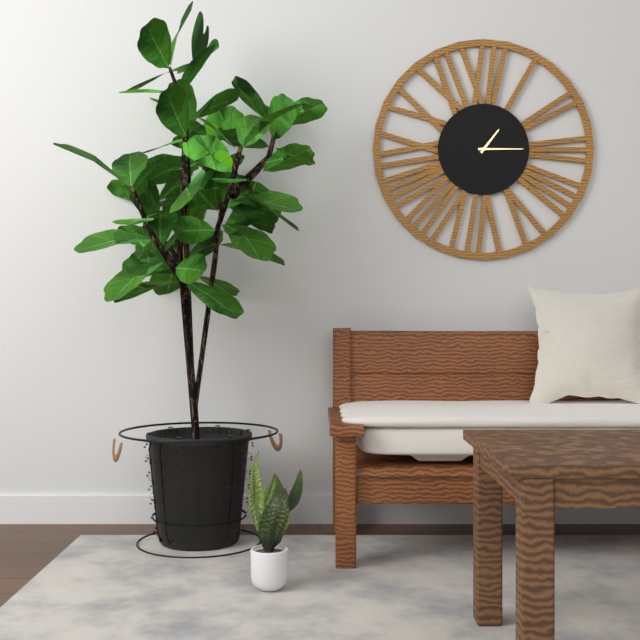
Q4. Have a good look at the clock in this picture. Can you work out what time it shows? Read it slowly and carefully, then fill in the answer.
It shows 1:15
